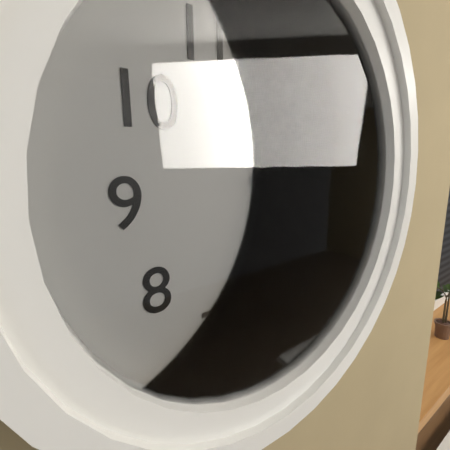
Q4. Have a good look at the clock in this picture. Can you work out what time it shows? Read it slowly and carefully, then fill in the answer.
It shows 6:21
